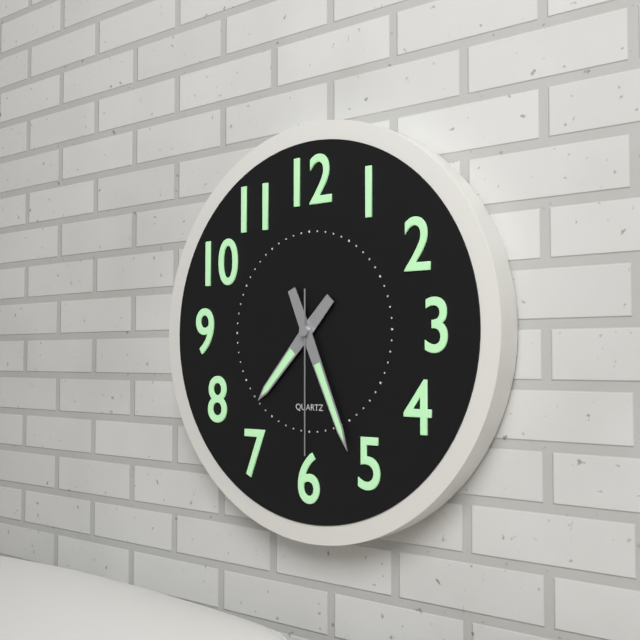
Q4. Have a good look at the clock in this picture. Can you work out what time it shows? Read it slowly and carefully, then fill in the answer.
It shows 7:26:30
